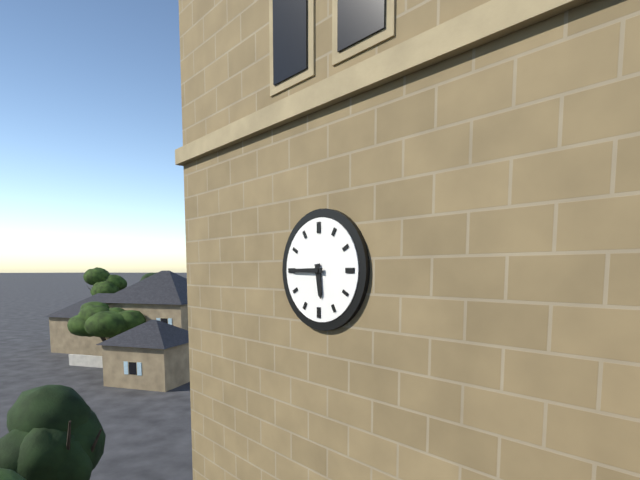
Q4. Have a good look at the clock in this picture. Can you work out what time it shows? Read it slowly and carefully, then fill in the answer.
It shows 5:45
